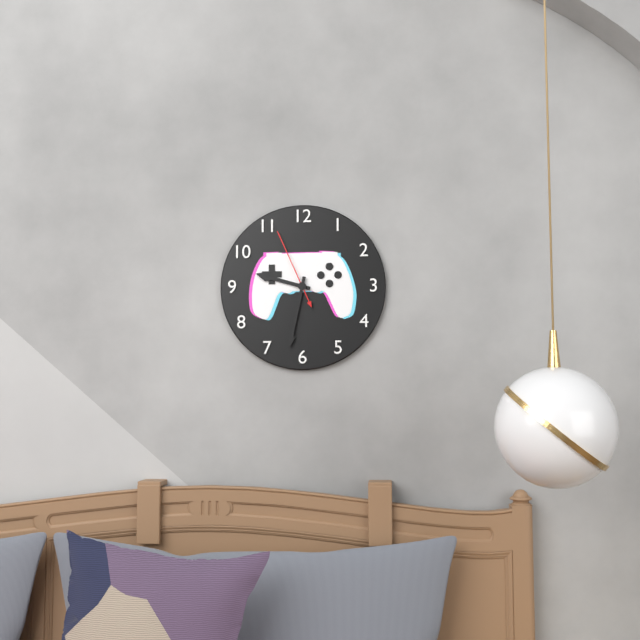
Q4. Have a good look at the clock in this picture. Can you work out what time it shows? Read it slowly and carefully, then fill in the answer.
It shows 9:32:56
